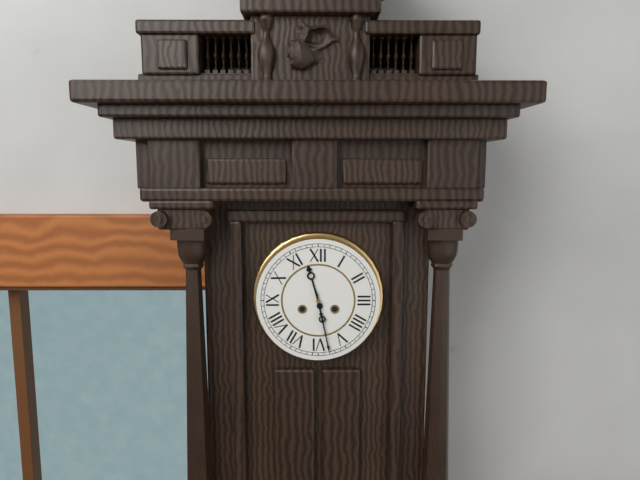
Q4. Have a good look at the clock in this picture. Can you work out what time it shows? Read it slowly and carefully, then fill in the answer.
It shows 11:28
